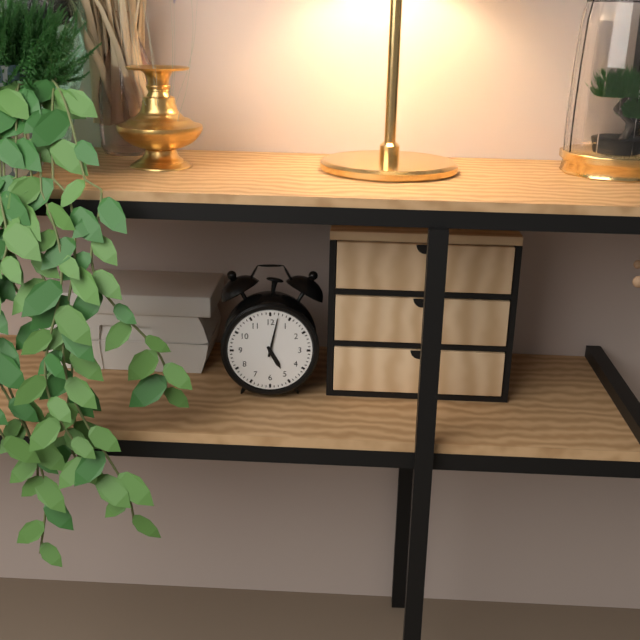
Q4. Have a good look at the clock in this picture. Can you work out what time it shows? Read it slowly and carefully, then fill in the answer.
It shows 5:02
